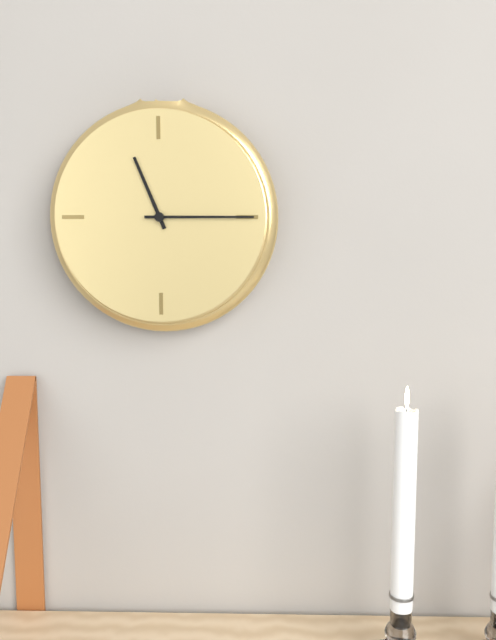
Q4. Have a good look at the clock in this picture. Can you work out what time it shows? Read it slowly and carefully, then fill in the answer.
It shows 11:15
